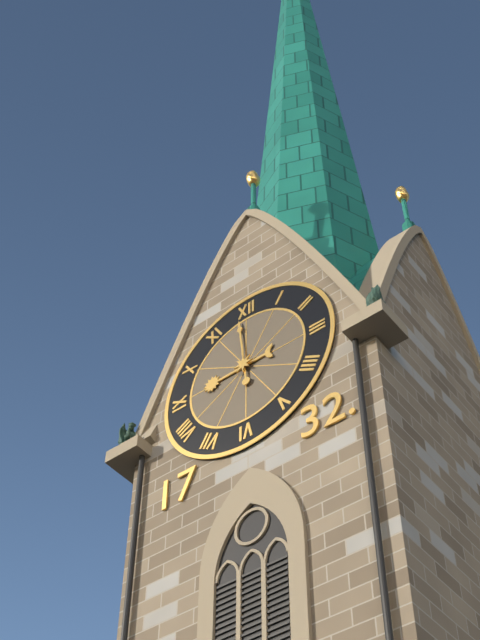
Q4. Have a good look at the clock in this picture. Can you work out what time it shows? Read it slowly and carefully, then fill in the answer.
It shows 8:59
